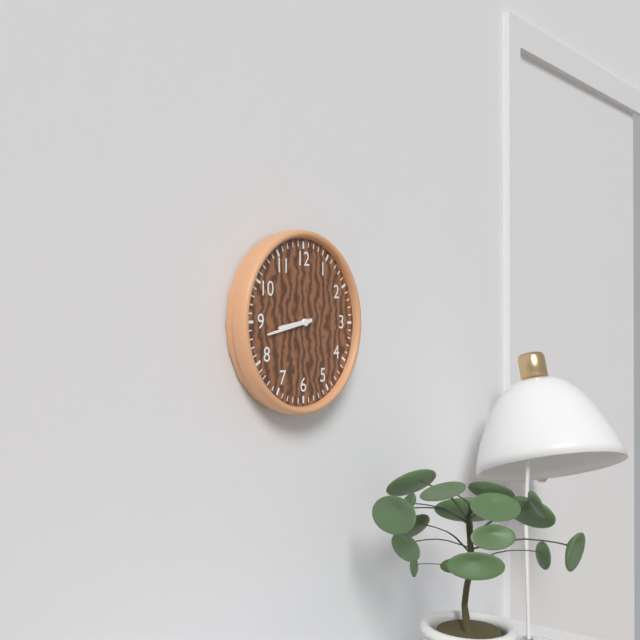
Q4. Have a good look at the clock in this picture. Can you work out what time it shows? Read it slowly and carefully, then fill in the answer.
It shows 8:43
